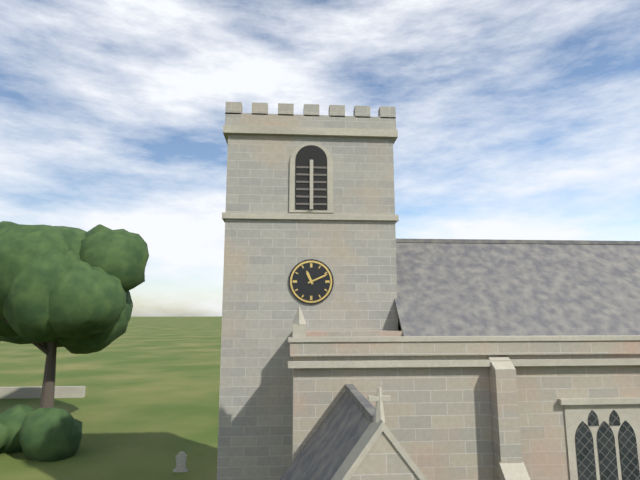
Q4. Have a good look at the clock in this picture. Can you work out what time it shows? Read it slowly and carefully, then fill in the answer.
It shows 11:11
